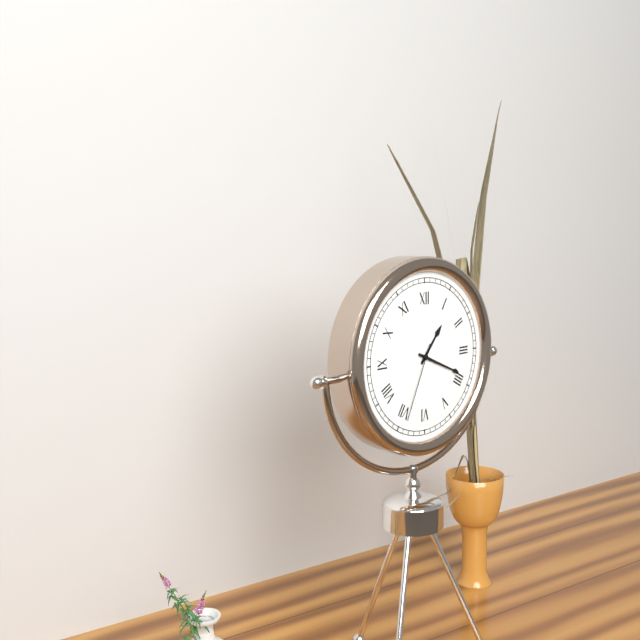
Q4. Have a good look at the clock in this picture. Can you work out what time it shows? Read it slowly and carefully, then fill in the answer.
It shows 1:19:34
